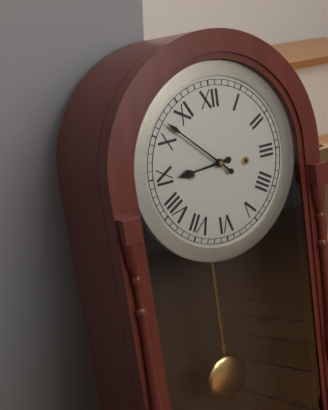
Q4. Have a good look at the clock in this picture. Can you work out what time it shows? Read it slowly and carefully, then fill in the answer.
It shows 8:52
